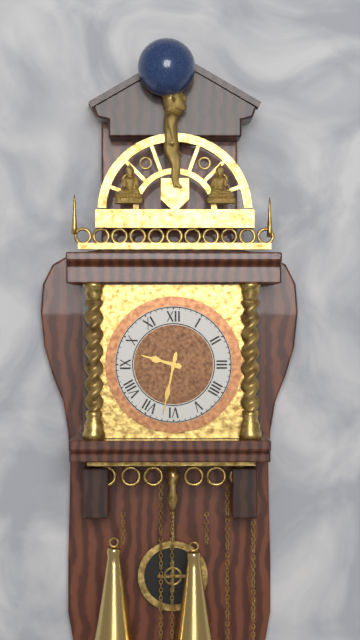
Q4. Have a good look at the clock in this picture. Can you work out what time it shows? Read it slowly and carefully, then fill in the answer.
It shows 9:32
